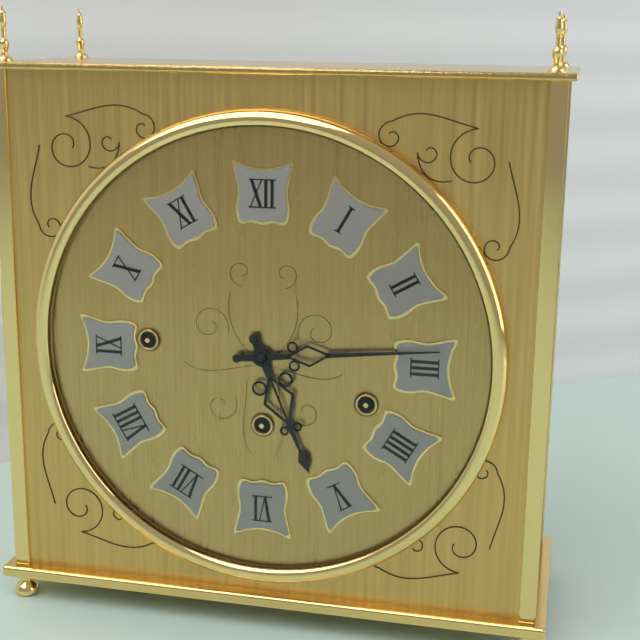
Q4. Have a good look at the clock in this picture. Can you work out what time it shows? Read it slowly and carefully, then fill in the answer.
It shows 5:14
